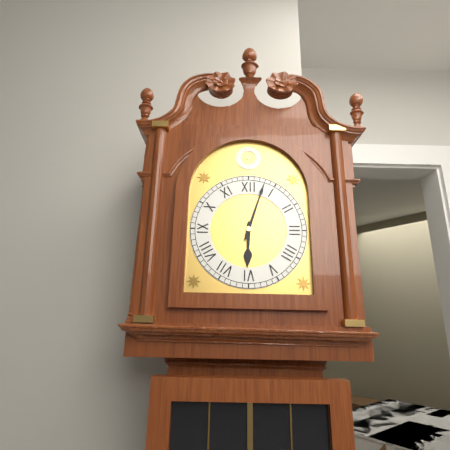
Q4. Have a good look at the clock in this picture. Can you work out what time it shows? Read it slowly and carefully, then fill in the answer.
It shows 6:03
